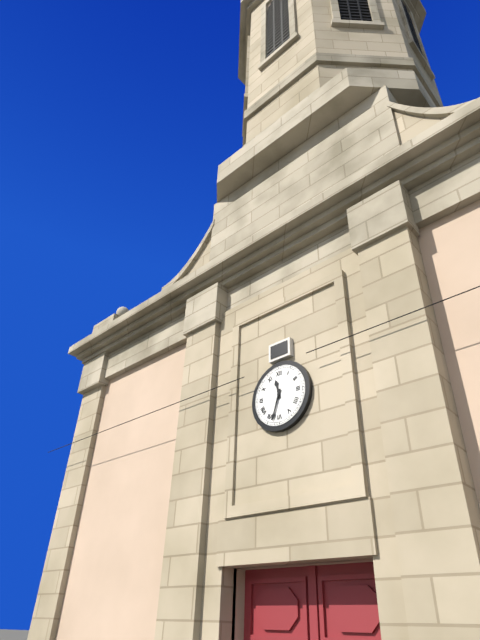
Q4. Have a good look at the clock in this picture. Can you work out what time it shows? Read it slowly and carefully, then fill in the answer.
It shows 11:33
